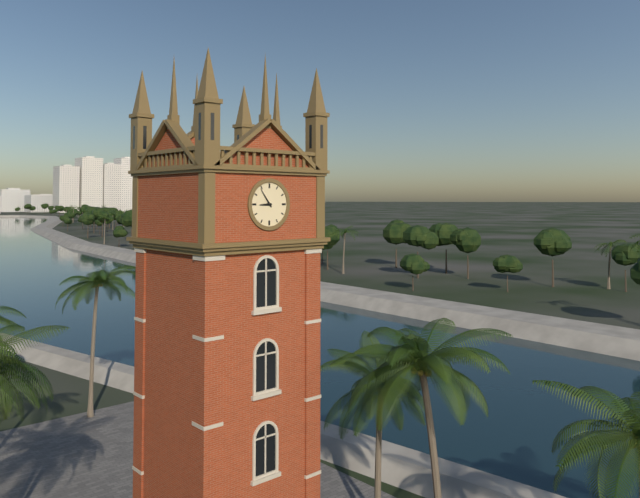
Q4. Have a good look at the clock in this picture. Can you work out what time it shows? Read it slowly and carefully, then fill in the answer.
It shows 8:54
